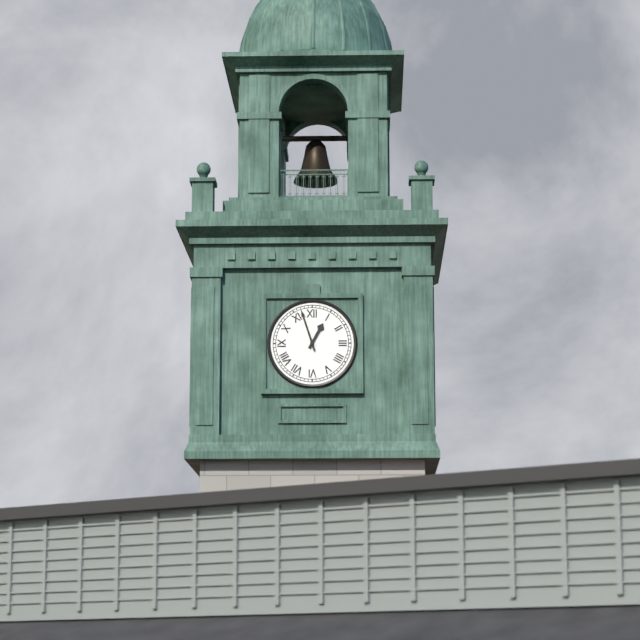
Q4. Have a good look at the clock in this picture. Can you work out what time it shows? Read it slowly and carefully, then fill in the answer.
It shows 12:57
